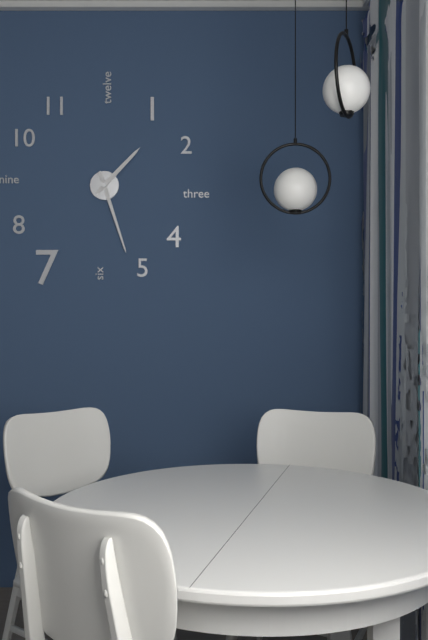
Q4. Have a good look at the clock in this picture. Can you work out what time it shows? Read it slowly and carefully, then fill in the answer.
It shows 1:27
